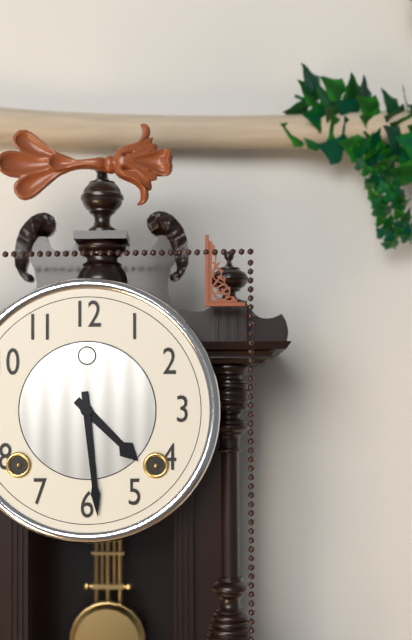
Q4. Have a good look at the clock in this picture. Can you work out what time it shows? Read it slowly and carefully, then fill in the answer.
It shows 4:29
